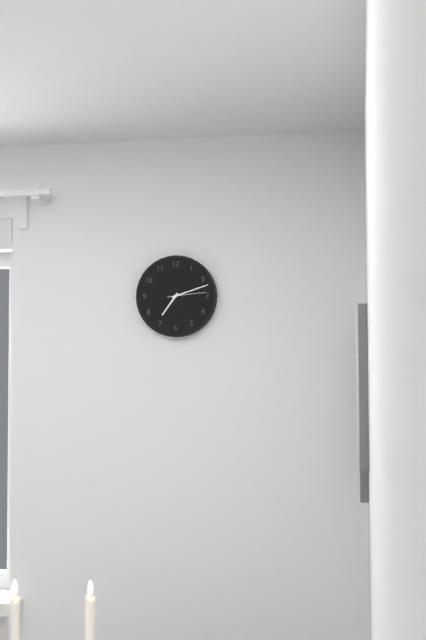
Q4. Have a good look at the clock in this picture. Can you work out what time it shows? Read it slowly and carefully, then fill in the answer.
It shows 7:12
